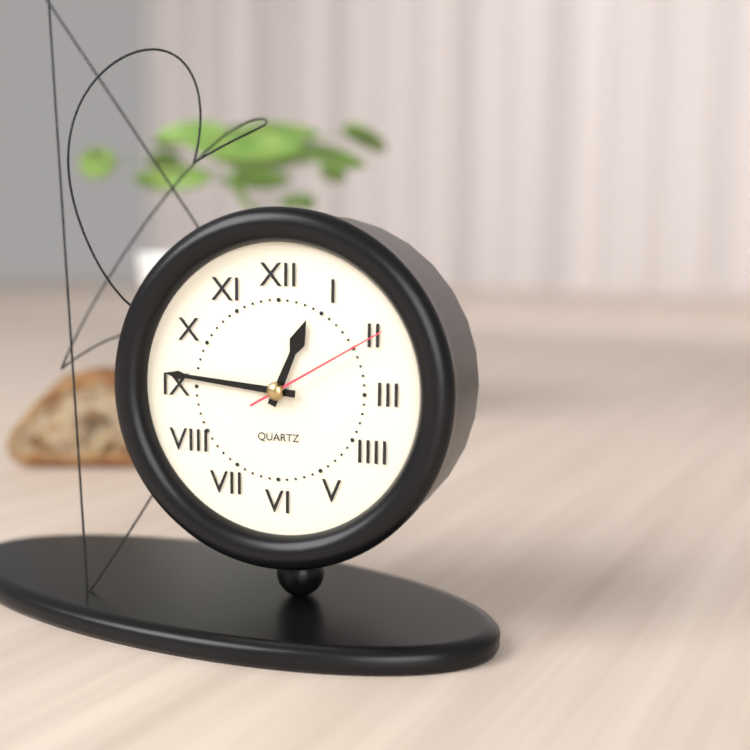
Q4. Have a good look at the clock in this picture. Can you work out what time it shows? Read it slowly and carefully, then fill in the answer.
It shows 12:46:10
